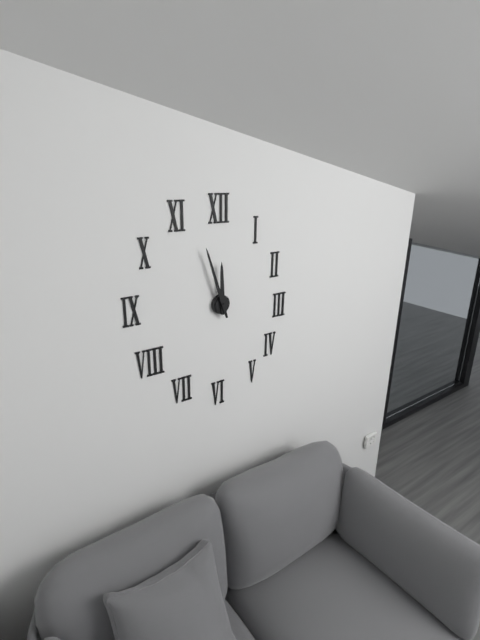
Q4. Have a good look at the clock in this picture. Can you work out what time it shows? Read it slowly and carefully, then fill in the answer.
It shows 11:57
